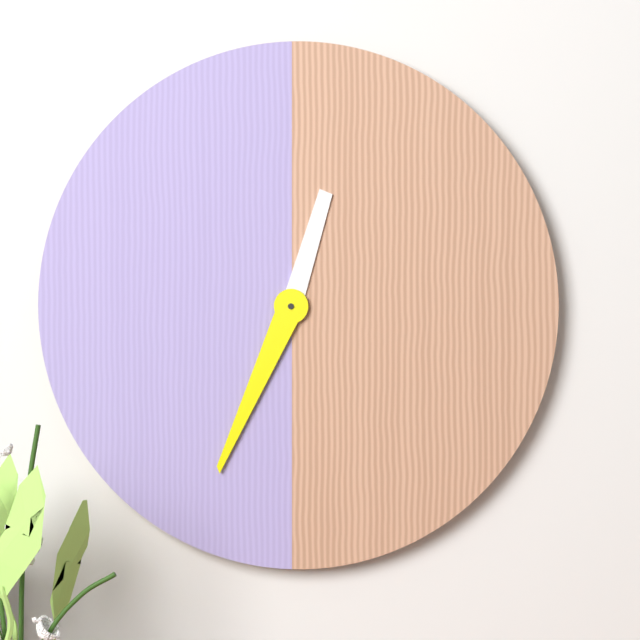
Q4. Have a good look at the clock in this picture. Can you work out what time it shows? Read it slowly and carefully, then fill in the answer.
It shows 12:34
